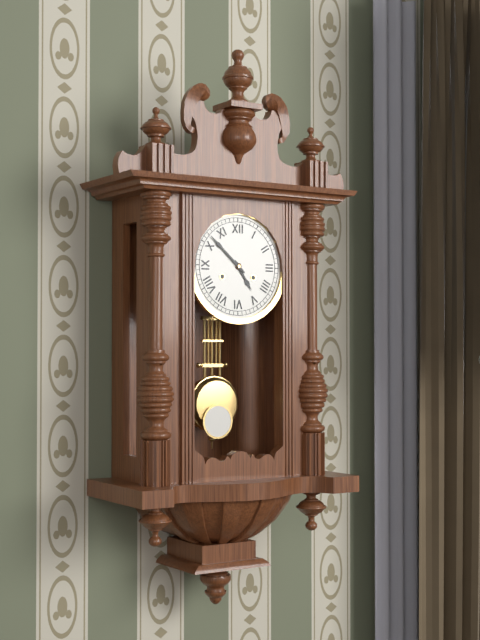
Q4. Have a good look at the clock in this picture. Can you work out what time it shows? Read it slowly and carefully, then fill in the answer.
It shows 4:52
